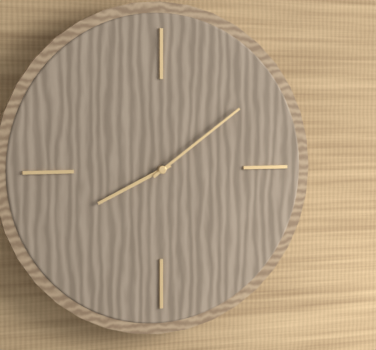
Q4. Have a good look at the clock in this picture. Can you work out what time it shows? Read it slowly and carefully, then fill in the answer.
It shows 8:09
